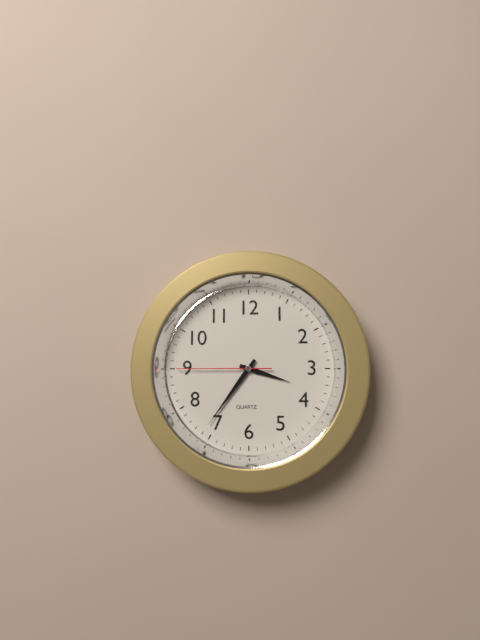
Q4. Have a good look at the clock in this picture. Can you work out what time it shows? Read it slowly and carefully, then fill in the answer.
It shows 3:36:45
